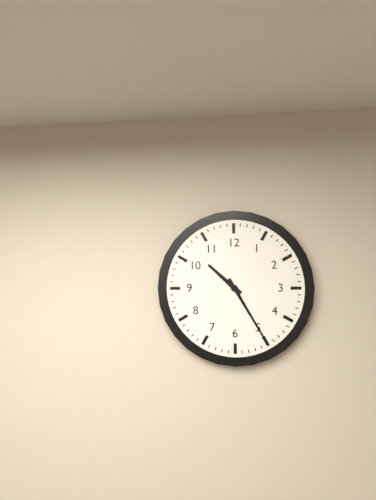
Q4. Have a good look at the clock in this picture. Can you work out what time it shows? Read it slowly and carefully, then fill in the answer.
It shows 10:25
